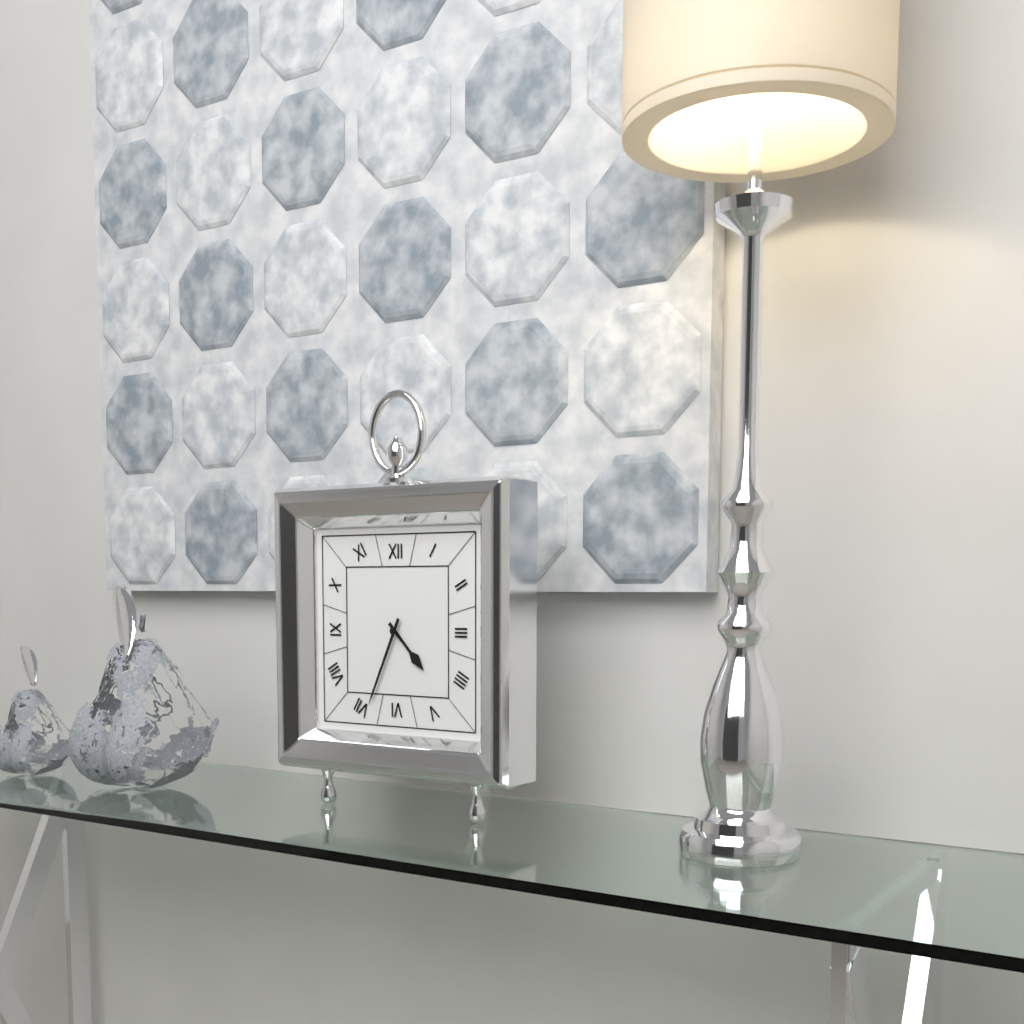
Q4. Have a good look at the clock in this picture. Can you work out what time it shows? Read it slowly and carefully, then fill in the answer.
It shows 4:34
